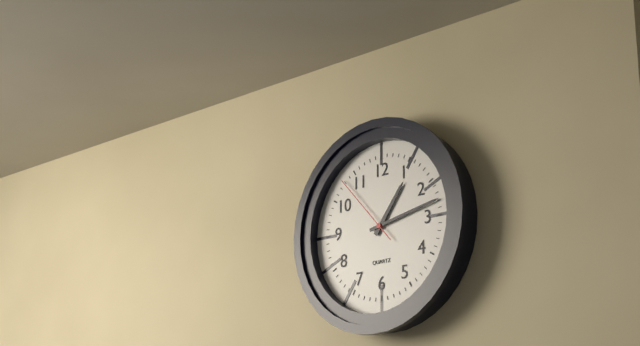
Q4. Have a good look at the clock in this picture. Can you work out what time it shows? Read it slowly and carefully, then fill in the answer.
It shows 1:13:53
